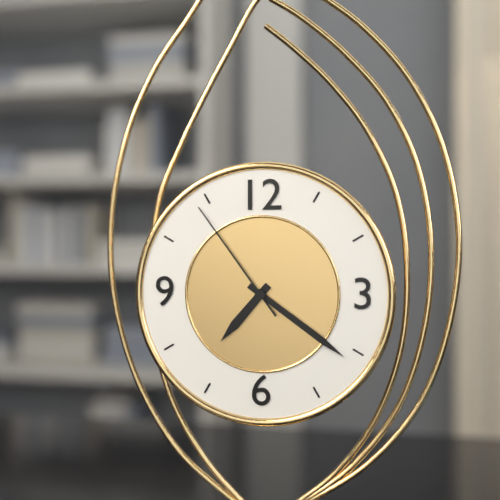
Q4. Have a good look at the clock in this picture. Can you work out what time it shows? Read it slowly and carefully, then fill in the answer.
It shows 7:21:54
